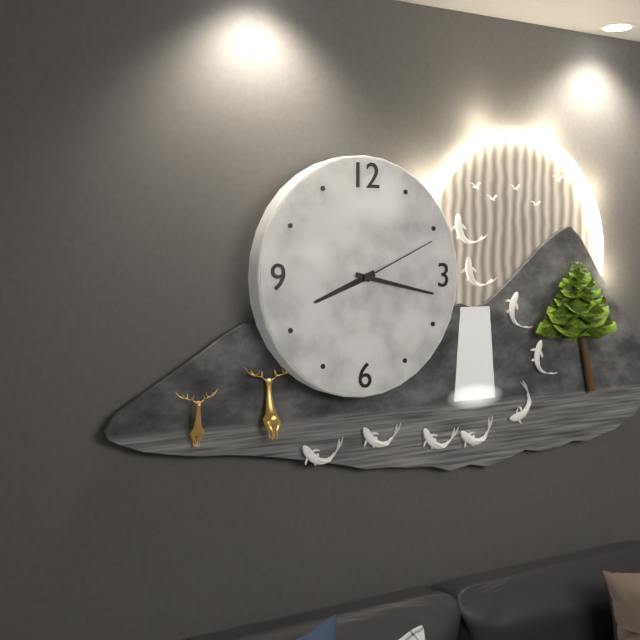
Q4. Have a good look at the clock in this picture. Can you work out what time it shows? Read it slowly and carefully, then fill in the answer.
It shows 8:17:11
